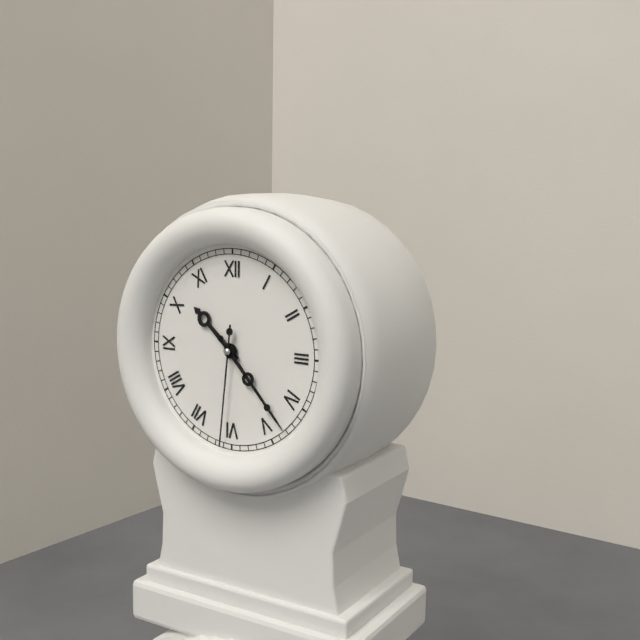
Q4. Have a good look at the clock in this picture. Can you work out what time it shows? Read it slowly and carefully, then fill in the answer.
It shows 10:23:31
